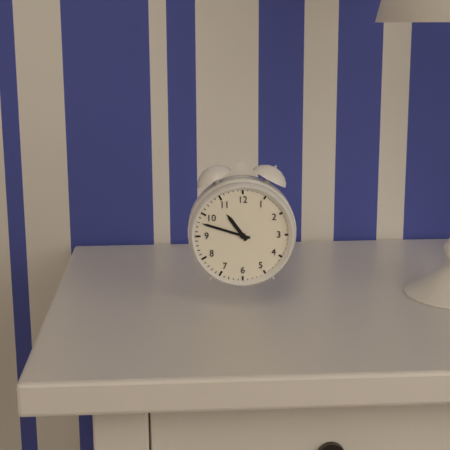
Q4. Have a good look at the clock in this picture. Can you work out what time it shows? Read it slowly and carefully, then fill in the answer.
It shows 10:48
